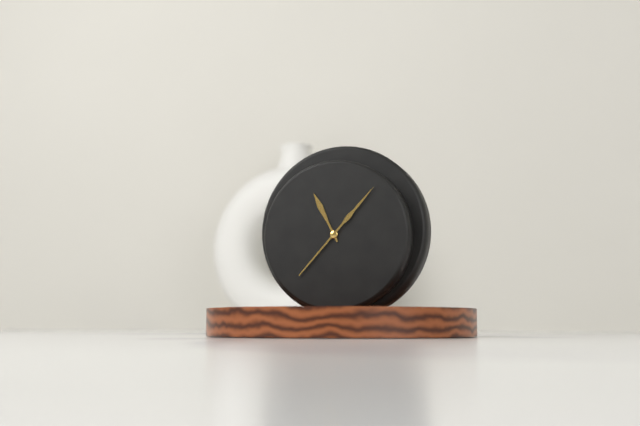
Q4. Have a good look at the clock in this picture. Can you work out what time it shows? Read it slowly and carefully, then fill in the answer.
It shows 11:07
